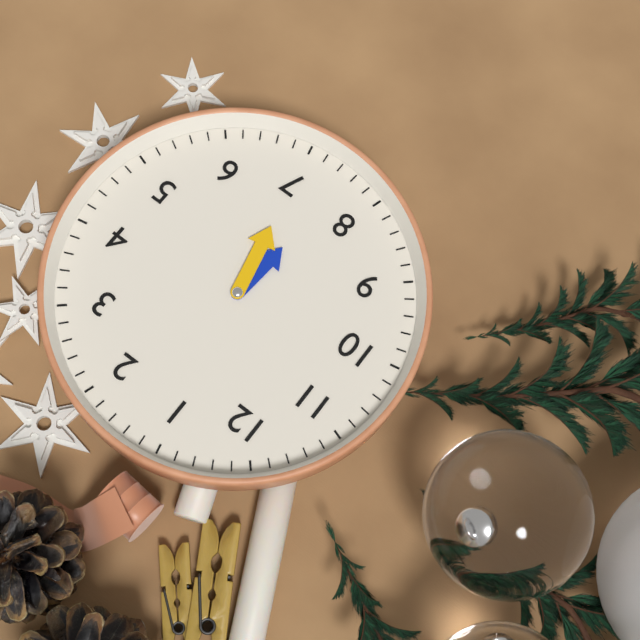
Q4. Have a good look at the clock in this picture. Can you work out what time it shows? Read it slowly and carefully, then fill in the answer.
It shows 7:35
